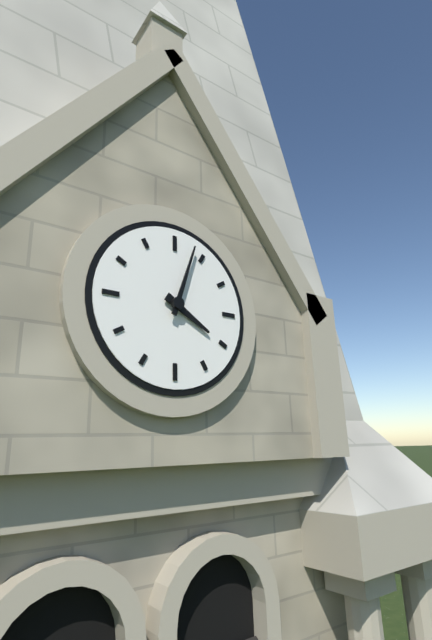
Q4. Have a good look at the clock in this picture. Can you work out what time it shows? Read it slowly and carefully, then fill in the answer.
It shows 4:03
